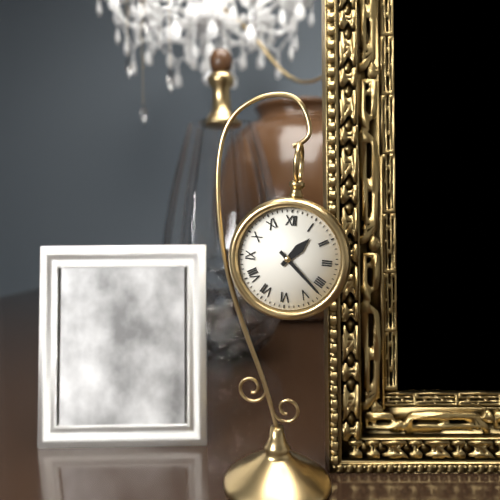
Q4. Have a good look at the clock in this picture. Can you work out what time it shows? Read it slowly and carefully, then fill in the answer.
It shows 1:22
